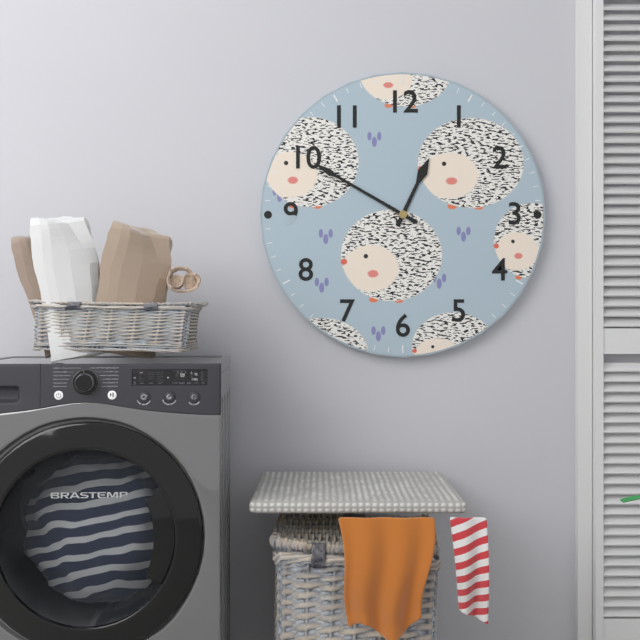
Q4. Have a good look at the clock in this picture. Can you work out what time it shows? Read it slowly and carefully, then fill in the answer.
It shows 12:50
